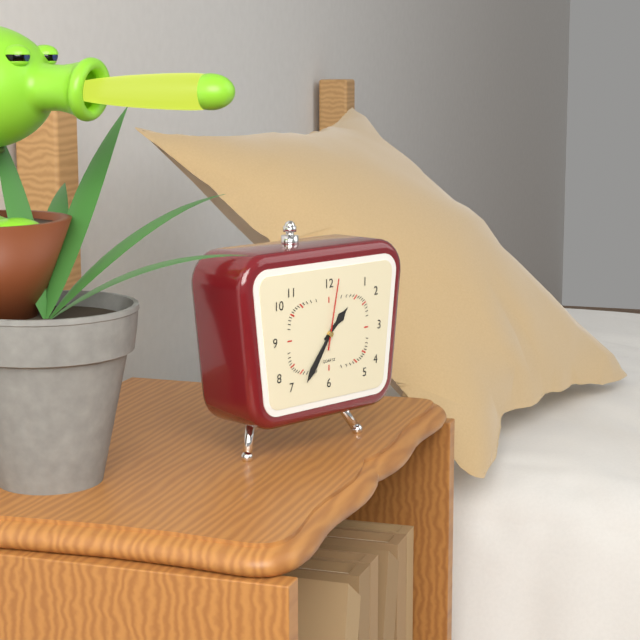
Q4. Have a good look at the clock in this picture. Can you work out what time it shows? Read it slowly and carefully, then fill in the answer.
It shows 1:36:02
